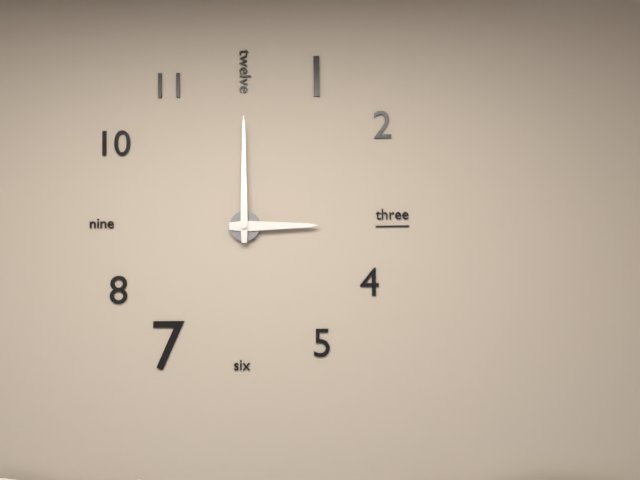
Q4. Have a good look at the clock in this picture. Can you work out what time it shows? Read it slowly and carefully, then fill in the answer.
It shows 3:00
